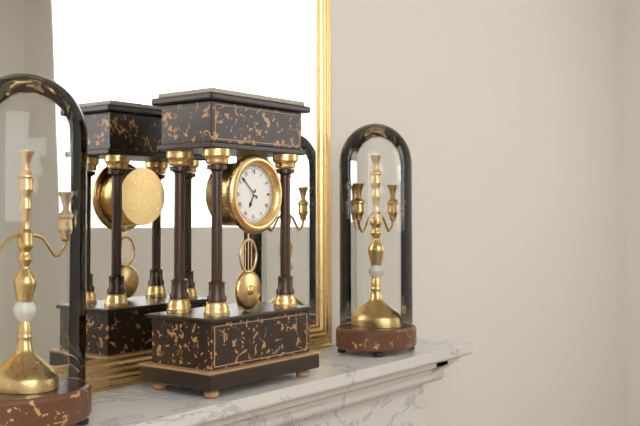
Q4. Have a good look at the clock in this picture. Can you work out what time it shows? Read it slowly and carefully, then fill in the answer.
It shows 6:52
